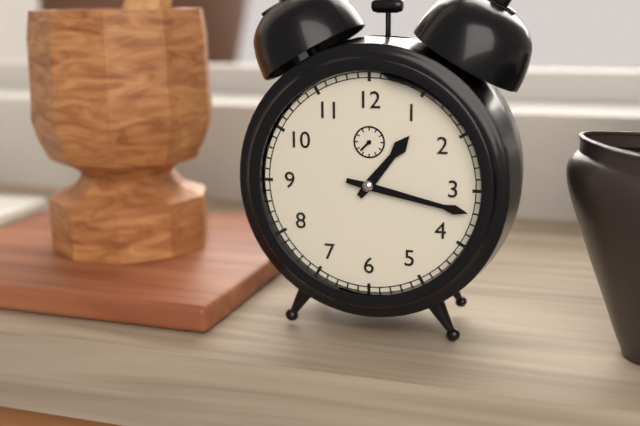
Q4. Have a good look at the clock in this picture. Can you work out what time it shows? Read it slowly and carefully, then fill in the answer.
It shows 1:17
